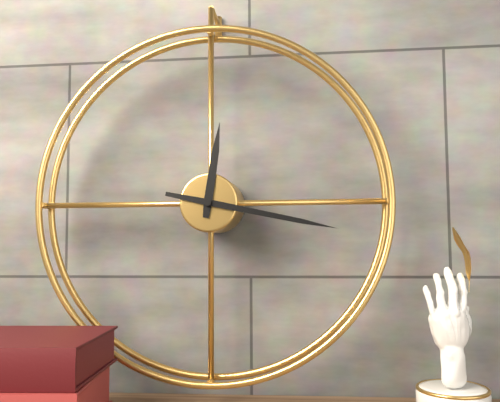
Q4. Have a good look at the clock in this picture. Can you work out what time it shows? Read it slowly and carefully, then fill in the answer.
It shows 12:17
